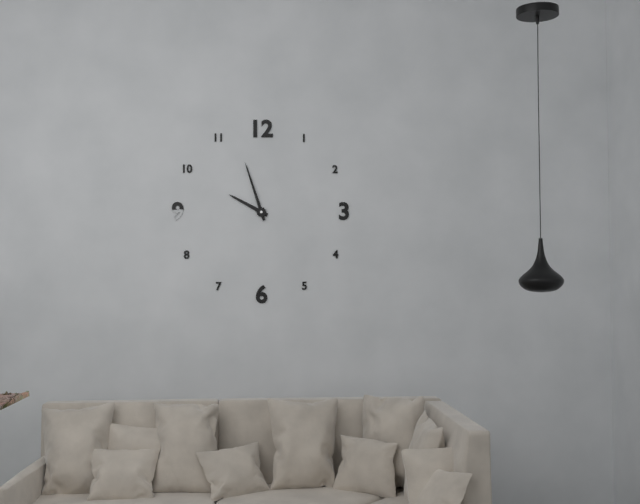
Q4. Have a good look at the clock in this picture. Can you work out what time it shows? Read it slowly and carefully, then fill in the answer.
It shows 9:57
